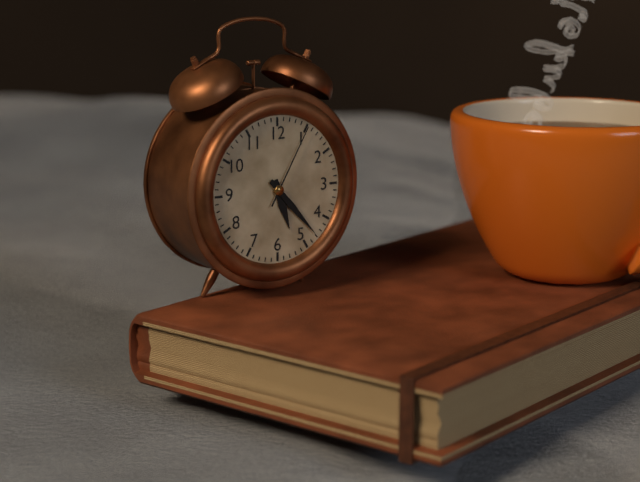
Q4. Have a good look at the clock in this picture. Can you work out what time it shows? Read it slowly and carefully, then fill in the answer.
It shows 5:23:05
